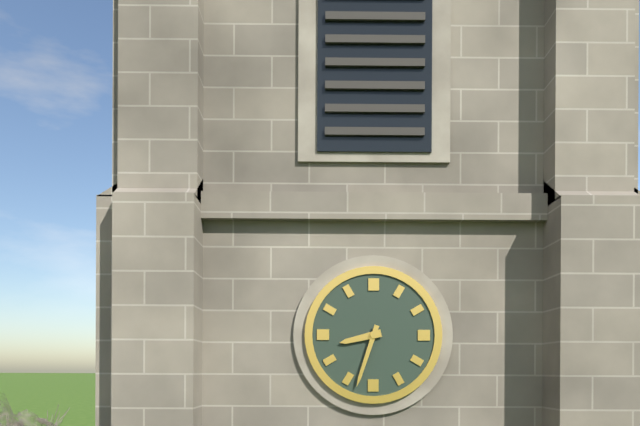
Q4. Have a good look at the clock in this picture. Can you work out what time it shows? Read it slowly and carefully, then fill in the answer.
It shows 8:33
